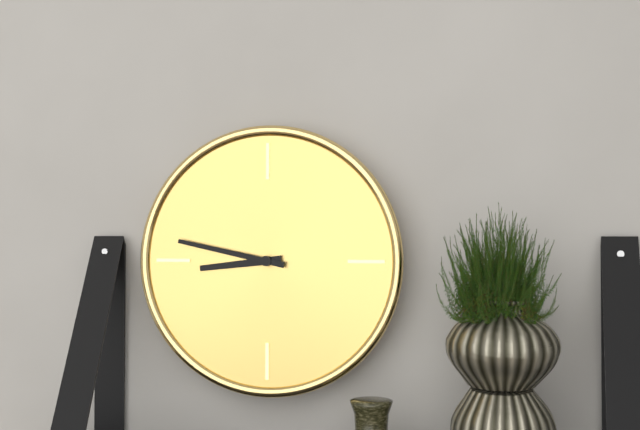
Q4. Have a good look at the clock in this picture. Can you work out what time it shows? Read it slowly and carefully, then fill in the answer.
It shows 8:47
